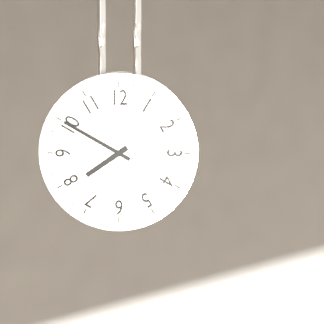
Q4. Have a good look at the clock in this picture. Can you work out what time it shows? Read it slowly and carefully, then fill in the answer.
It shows 7:50
